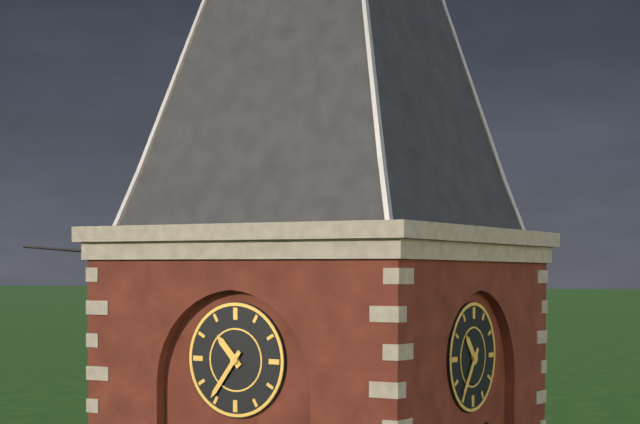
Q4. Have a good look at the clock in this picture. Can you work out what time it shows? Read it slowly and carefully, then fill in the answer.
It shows 10:36
